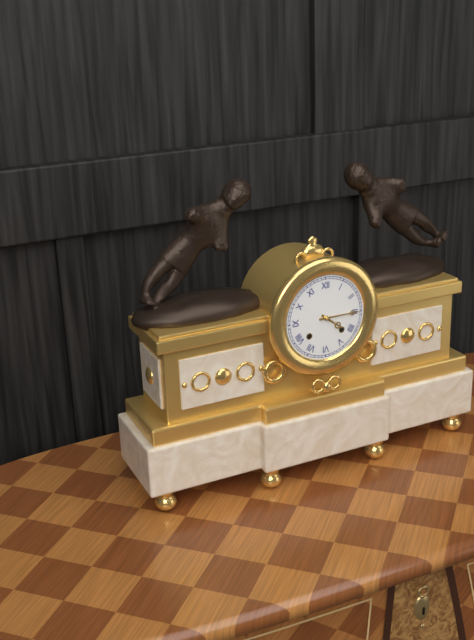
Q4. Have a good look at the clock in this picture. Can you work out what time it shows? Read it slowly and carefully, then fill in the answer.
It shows 4:15
